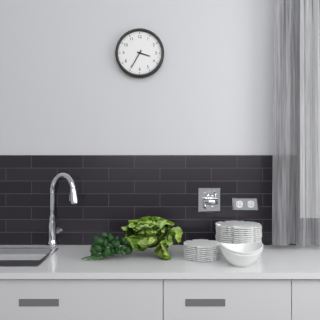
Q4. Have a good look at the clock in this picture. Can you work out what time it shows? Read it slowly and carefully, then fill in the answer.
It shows 3:35
